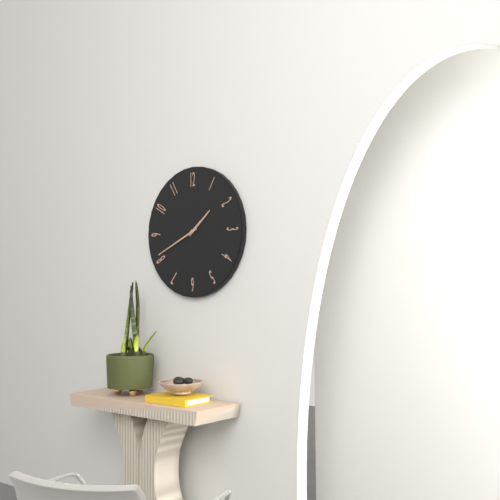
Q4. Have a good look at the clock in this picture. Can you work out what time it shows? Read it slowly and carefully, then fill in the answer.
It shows 1:41
